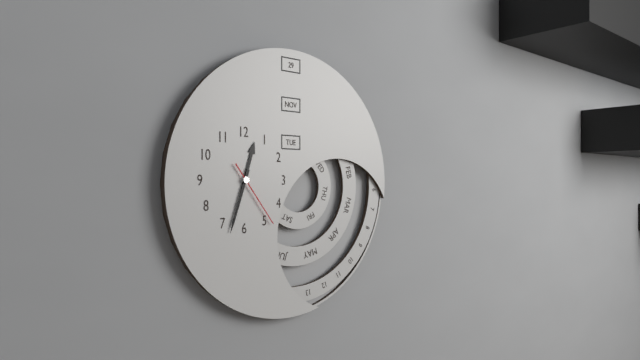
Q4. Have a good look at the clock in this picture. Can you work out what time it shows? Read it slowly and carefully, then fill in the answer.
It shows 12:33:24
